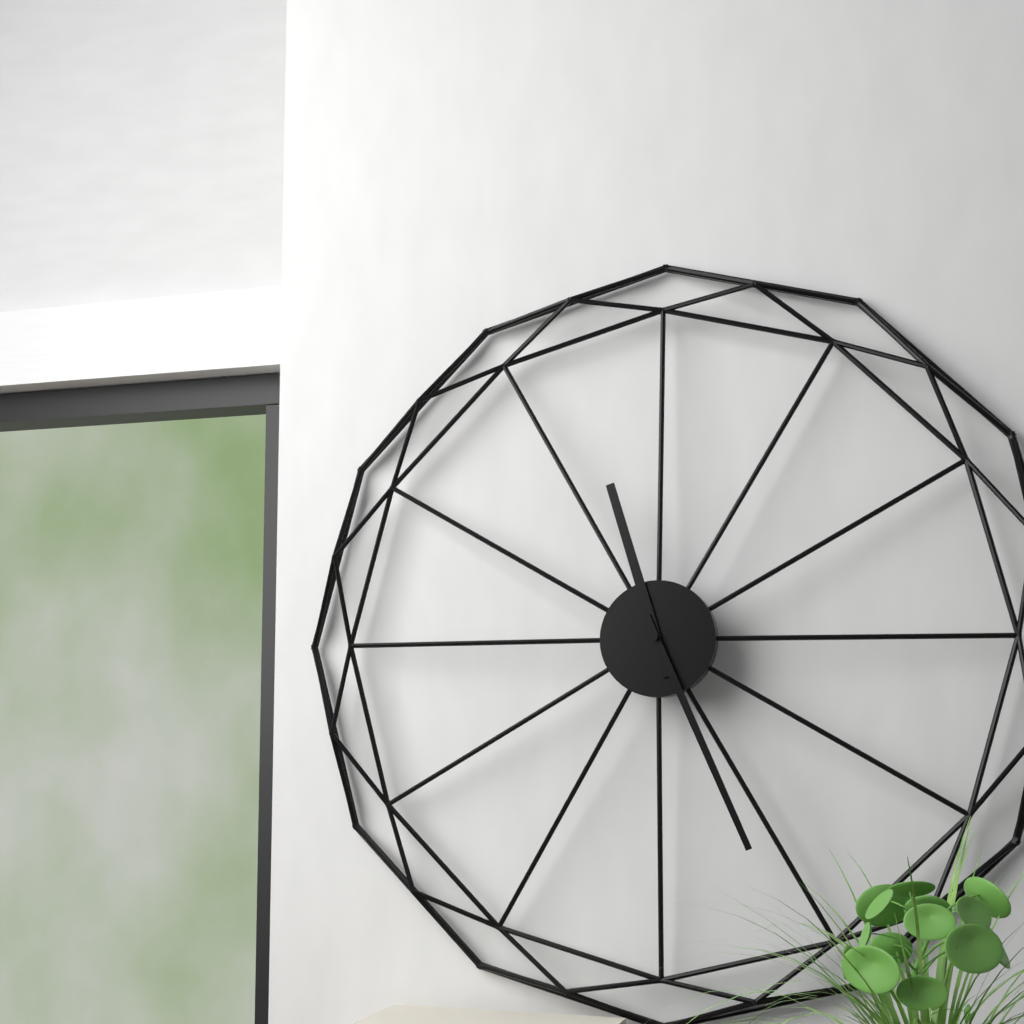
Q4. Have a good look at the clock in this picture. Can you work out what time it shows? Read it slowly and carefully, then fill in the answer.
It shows 11:26
